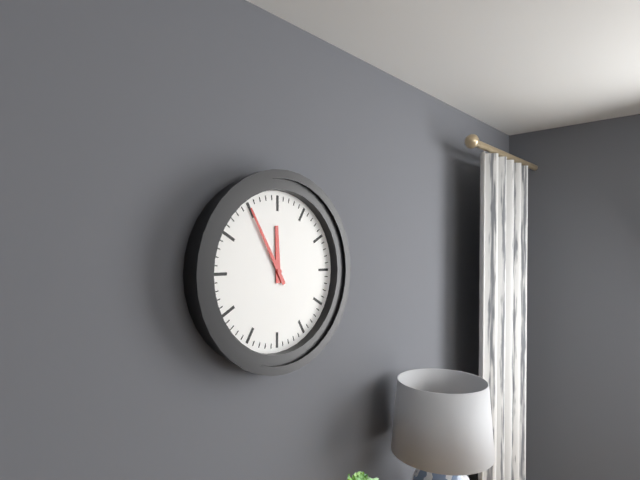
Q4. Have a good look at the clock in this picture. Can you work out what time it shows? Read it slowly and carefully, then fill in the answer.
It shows 11:55
